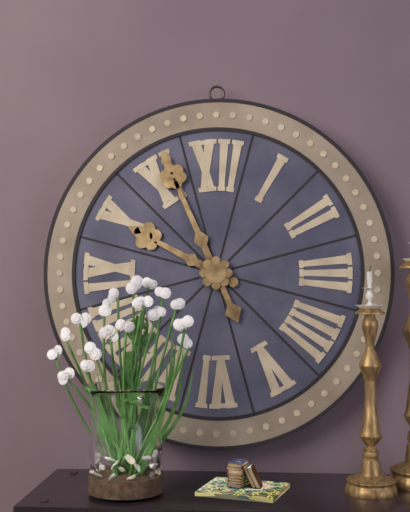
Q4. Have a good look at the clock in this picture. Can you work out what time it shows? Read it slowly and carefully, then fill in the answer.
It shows 9:56
